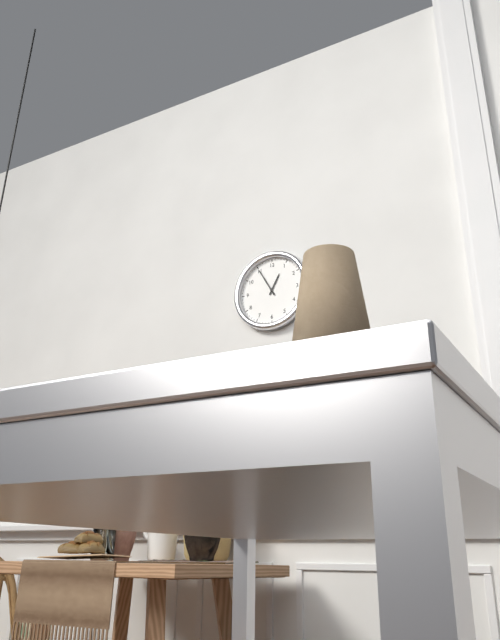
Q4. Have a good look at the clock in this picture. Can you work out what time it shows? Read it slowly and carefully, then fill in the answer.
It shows 12:55
